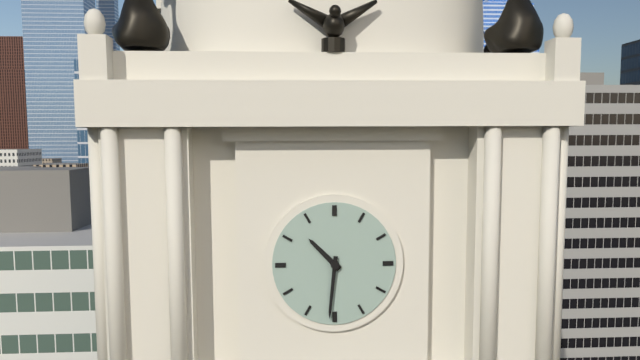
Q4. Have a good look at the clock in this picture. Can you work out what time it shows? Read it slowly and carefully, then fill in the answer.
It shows 10:31
